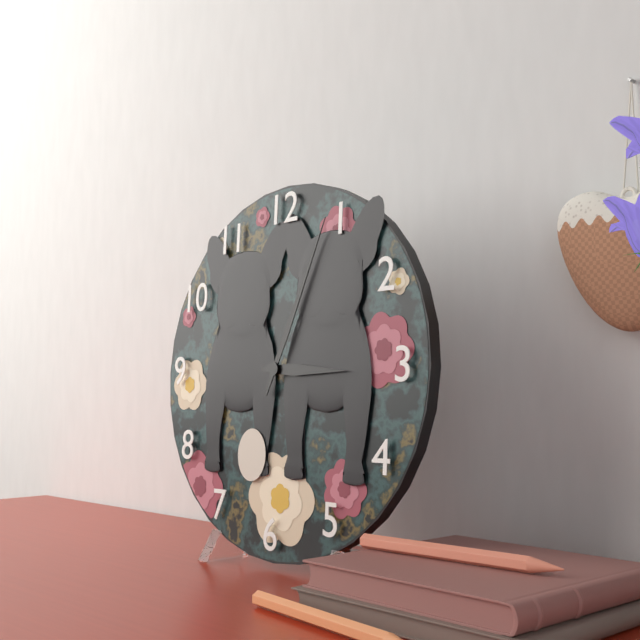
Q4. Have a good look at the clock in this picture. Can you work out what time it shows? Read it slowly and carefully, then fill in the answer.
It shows 3:04
